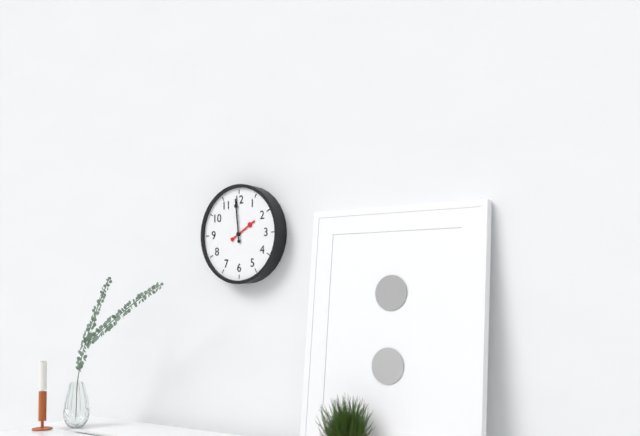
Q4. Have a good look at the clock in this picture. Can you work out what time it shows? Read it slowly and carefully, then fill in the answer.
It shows 1:59
